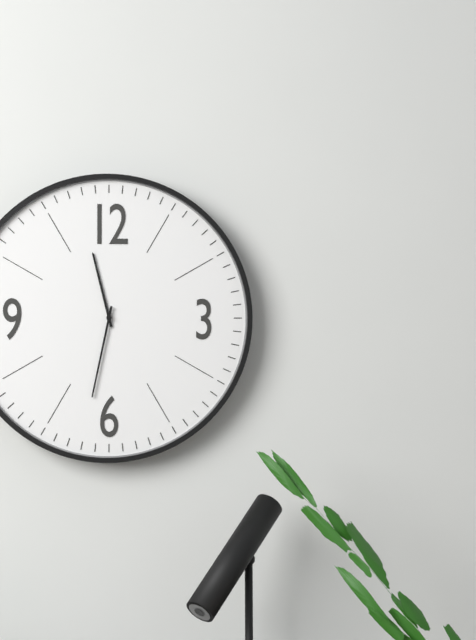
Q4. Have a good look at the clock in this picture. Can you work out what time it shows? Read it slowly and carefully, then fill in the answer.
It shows 11:32
